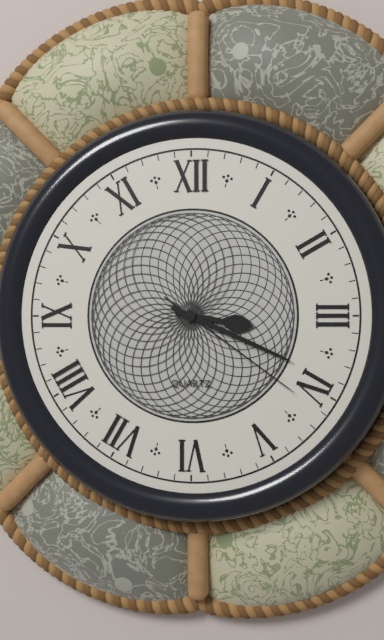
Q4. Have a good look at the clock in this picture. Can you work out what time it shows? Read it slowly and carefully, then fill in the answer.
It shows 3:19:21
